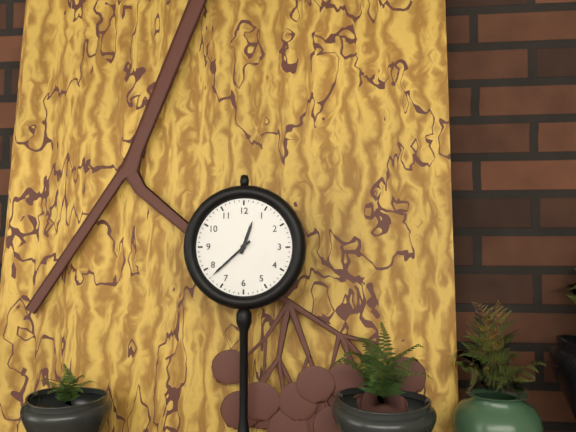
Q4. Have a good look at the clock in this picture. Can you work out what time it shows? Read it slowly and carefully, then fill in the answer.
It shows 12:38
